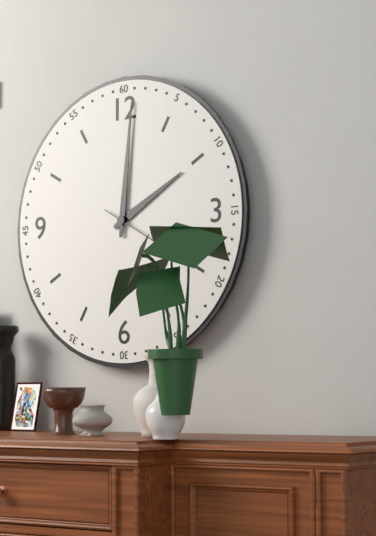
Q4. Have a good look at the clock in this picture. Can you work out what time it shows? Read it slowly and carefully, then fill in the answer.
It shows 2:01
